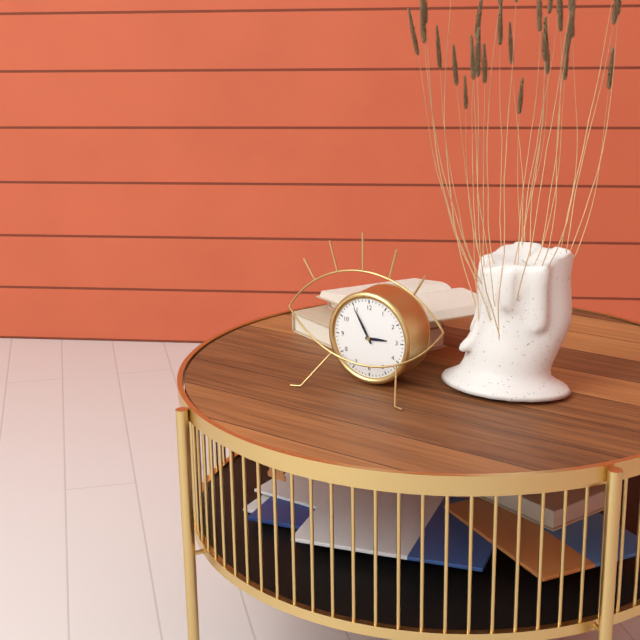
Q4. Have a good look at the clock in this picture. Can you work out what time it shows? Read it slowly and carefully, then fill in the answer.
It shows 2:55
